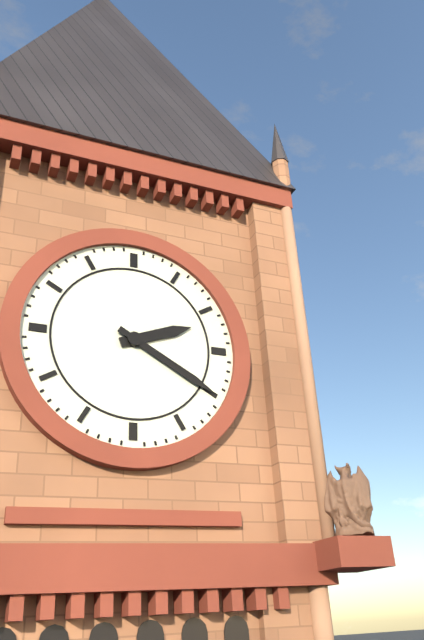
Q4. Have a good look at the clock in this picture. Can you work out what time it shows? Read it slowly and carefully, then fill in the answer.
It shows 2:20
